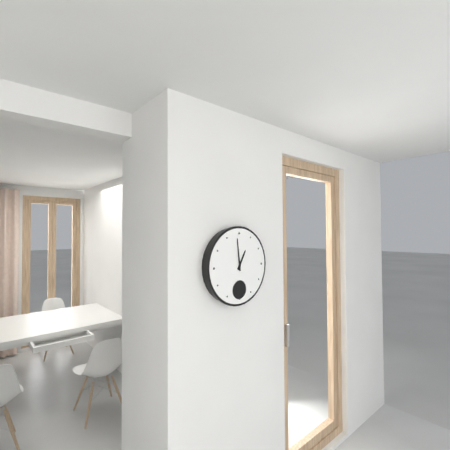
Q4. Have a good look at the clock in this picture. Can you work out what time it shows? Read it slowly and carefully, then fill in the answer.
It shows 12:59
